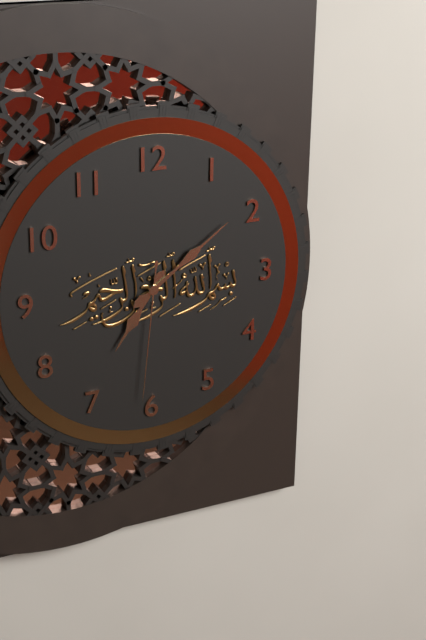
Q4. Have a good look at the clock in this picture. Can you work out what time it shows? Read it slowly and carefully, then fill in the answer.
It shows 7:09:31
